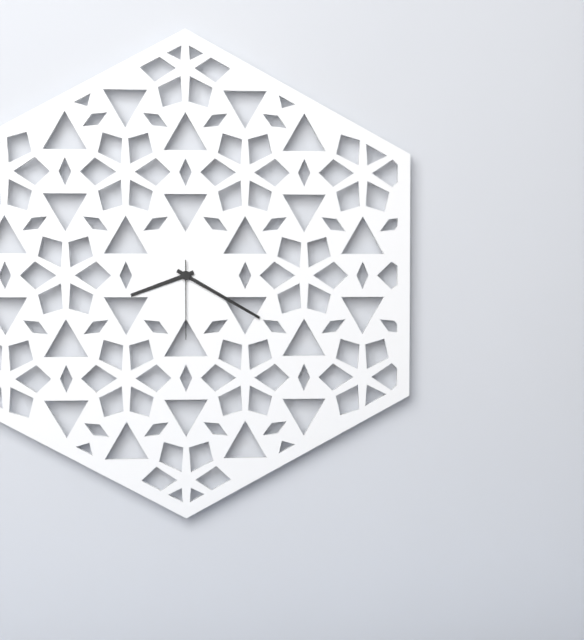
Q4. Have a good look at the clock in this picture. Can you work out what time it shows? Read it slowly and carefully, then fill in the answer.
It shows 8:20:30
